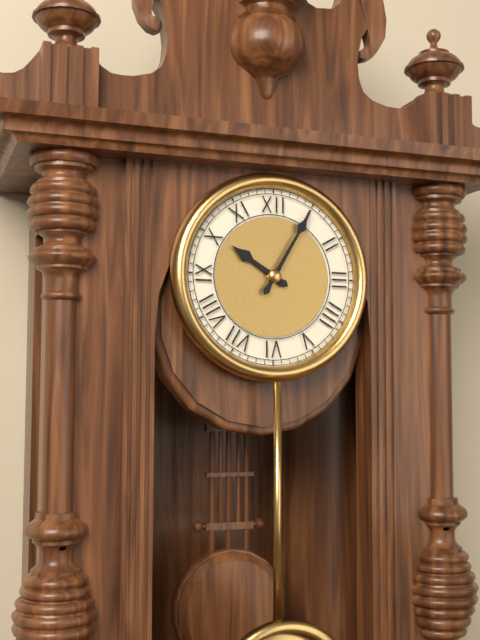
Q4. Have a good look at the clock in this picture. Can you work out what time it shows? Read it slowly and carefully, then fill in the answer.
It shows 10:05
